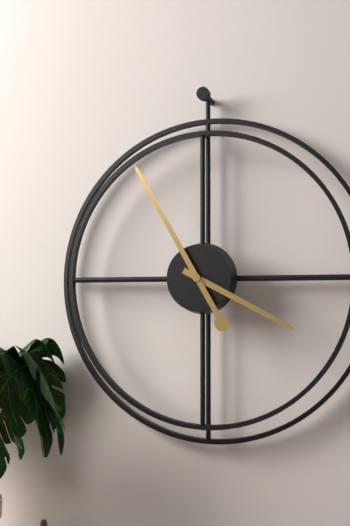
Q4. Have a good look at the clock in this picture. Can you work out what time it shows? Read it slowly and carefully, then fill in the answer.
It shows 3:55
